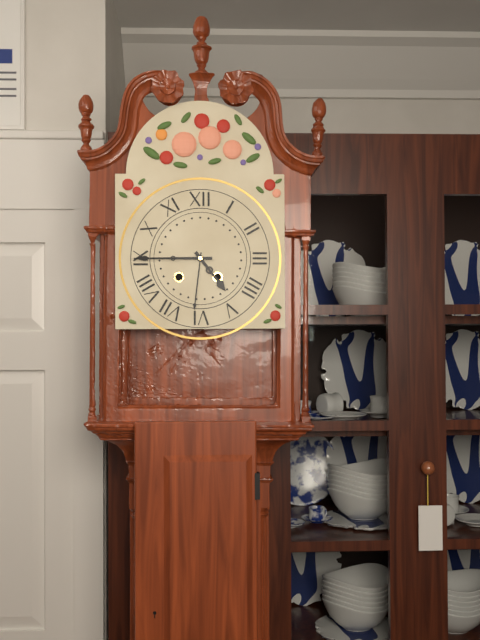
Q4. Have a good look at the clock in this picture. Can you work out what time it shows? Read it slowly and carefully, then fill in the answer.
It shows 4:45
